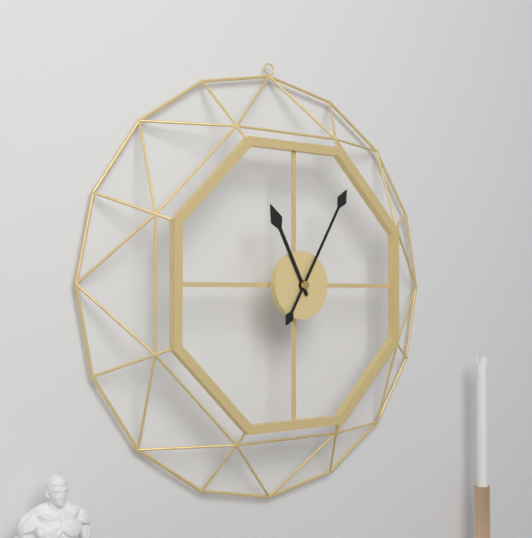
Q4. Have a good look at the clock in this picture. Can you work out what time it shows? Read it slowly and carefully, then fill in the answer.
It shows 11:05
